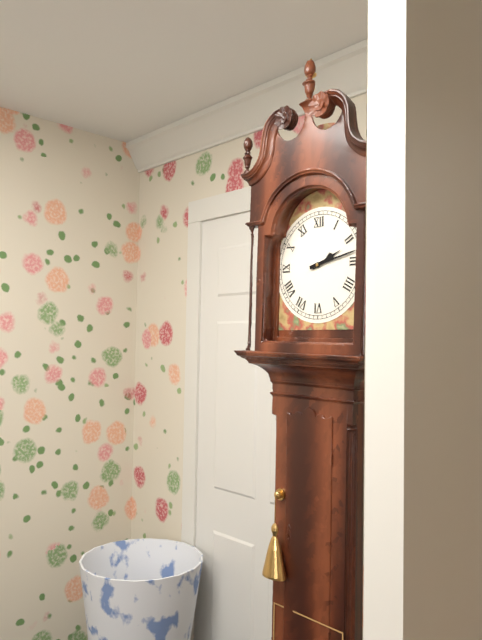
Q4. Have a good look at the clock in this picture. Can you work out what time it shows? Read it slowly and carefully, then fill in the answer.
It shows 2:13
